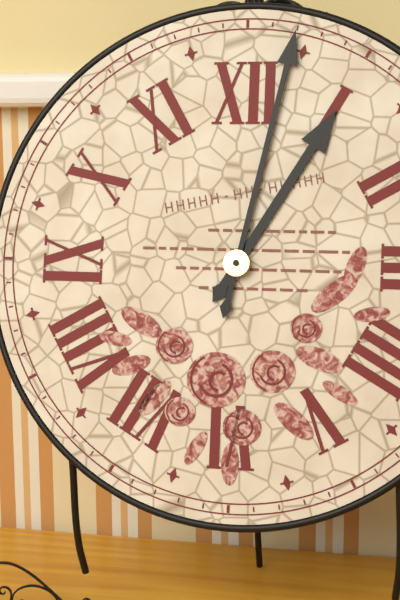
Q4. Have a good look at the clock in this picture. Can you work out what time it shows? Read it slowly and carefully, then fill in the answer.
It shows 1:02
